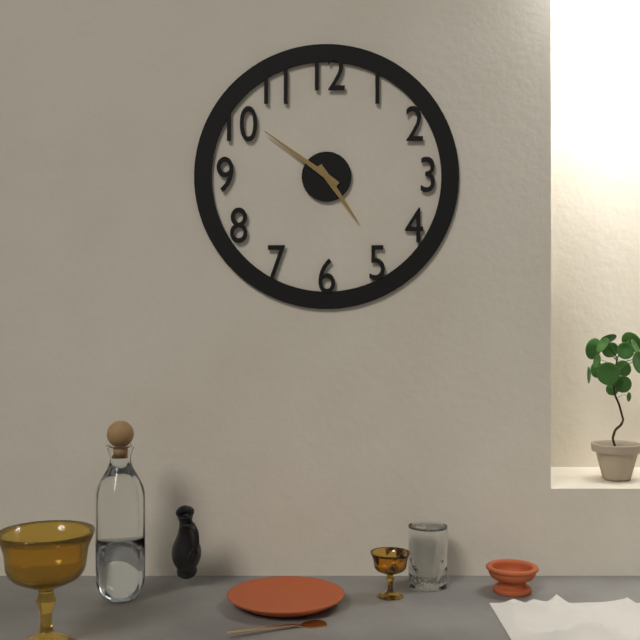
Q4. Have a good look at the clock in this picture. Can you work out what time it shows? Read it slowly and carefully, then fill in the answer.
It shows 4:51
